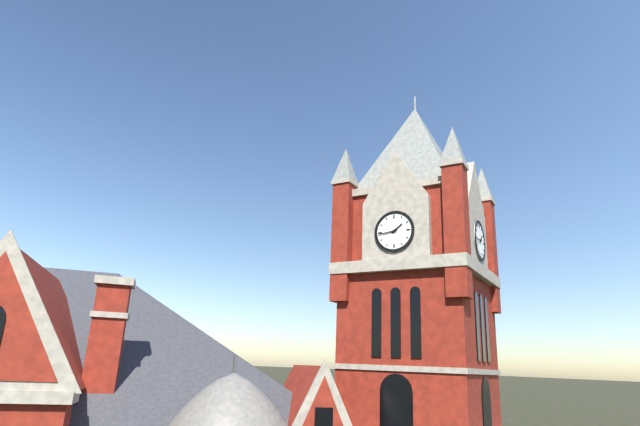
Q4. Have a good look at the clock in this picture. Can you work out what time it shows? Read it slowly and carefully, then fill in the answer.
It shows 1:44
